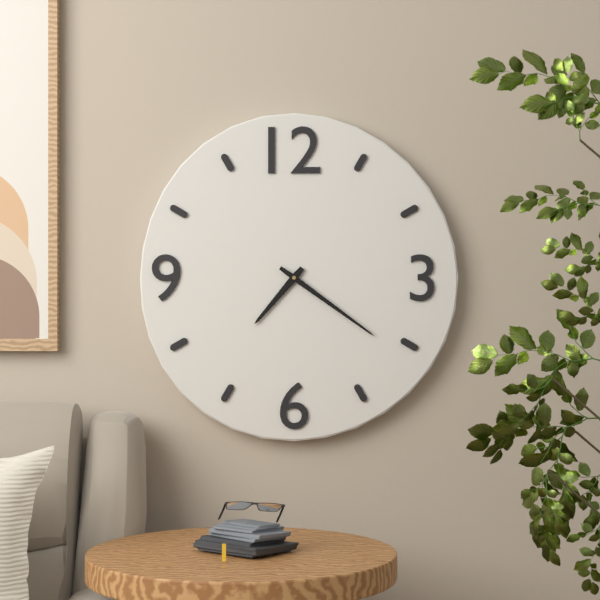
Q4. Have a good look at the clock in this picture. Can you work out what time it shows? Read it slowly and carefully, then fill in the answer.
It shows 7:21
